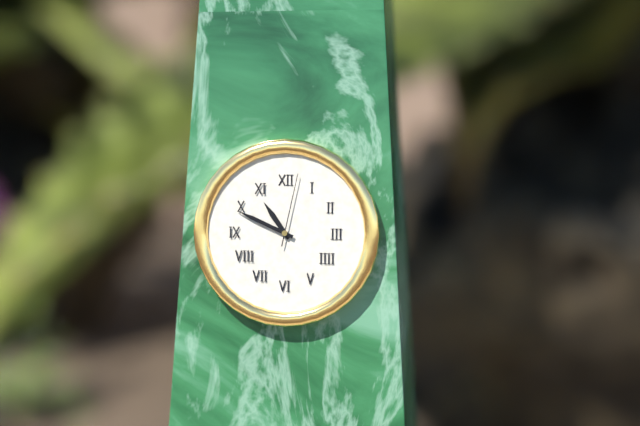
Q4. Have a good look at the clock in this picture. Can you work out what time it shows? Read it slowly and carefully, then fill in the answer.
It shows 10:49:02
